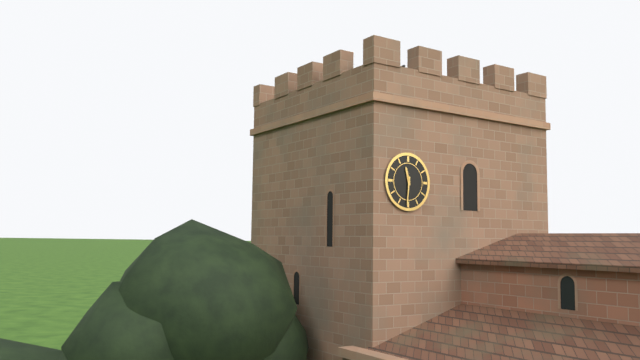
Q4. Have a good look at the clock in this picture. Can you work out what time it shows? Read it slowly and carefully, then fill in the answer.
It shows 11:31
